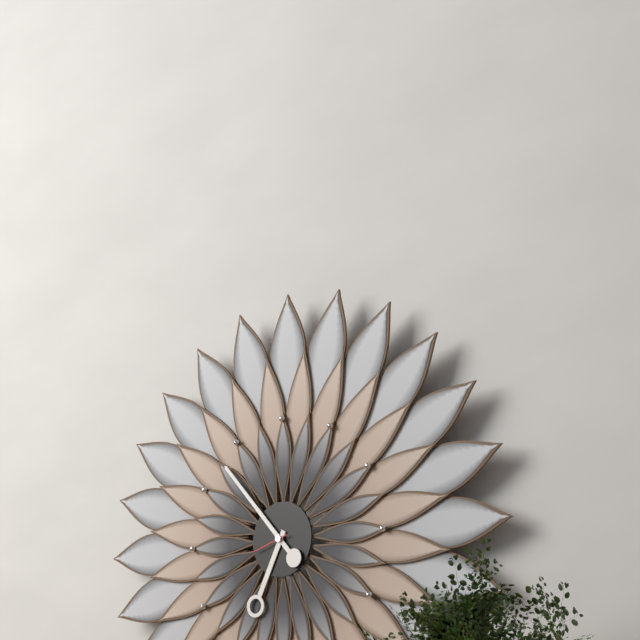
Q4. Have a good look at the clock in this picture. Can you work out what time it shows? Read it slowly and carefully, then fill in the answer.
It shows 6:53
